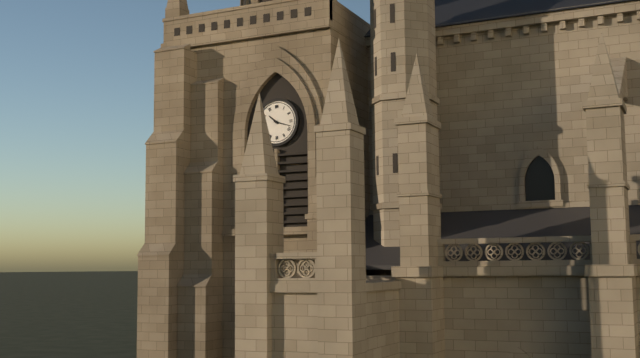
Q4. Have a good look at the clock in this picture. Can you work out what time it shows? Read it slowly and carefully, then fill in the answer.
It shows 10:18
